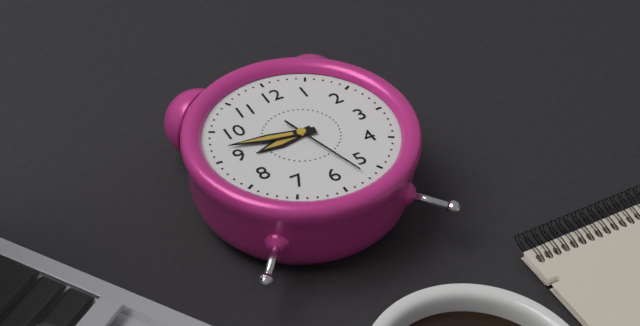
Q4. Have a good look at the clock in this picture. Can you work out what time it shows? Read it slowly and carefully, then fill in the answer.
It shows 8:47:27
